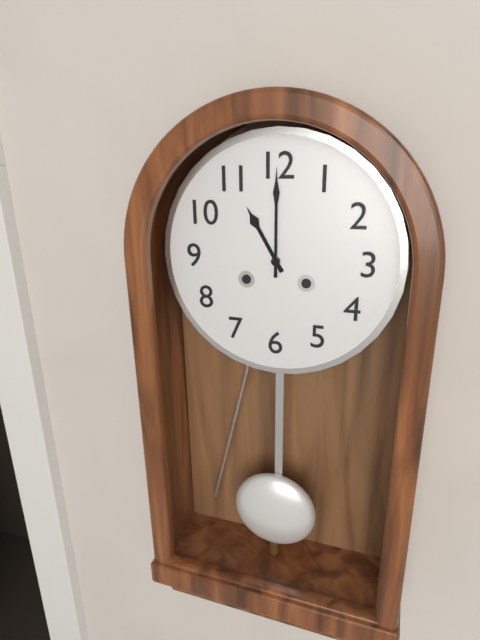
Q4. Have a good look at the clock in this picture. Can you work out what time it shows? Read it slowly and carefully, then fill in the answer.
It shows 11:00
